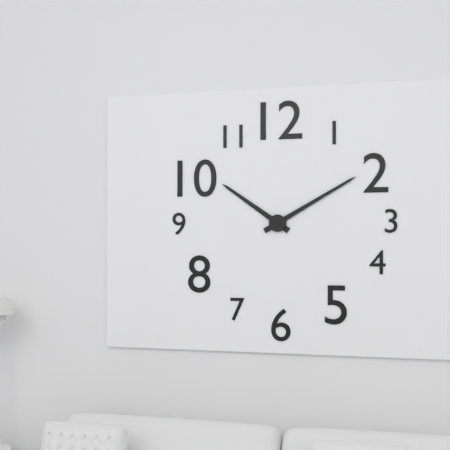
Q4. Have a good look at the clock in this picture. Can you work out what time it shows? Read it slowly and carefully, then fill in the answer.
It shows 10:10
